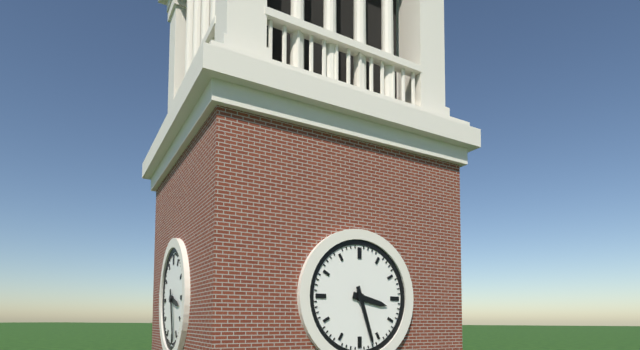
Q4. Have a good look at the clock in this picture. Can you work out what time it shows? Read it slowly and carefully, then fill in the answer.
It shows 3:27
